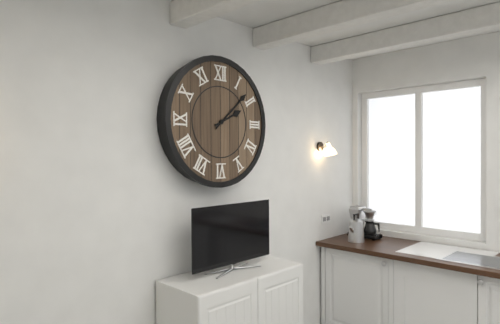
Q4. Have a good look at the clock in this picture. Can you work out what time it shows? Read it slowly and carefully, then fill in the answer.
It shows 2:08
